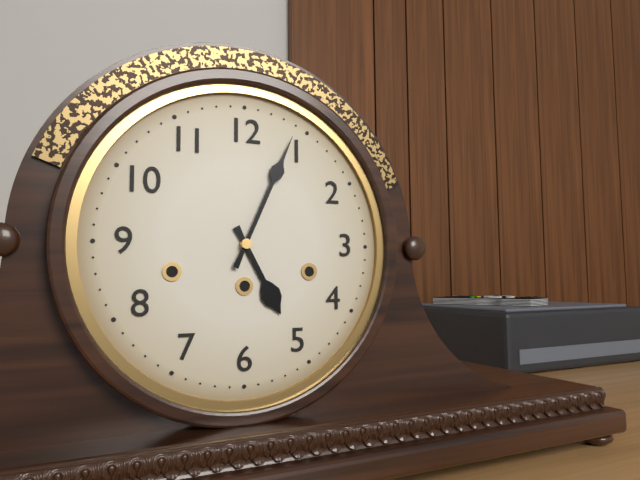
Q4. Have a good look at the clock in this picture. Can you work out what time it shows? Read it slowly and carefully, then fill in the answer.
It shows 5:04
